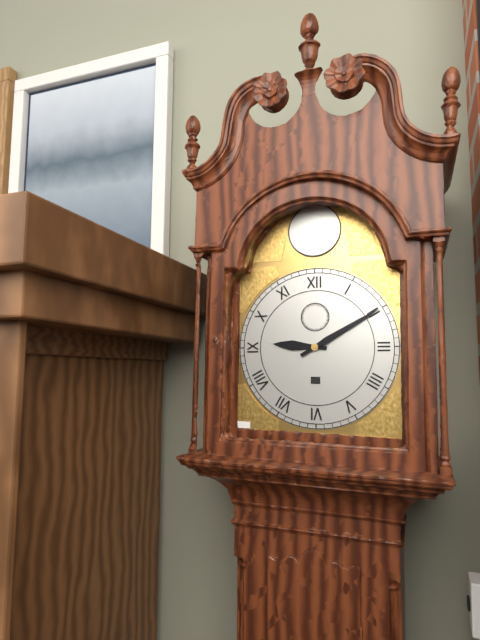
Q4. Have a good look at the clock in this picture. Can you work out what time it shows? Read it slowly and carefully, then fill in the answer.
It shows 9:10
